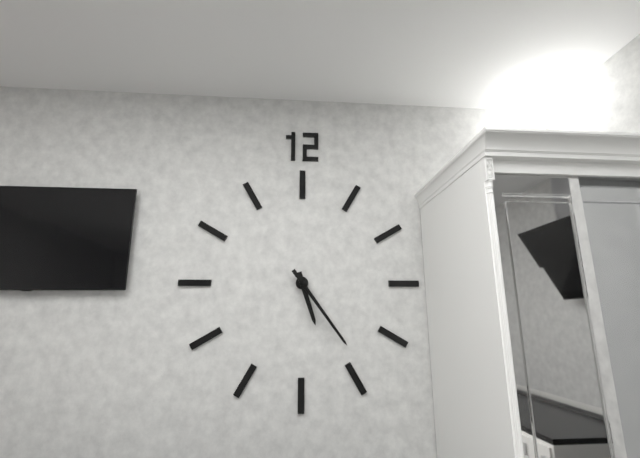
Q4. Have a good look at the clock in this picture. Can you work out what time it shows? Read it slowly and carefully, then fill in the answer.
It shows 5:24
